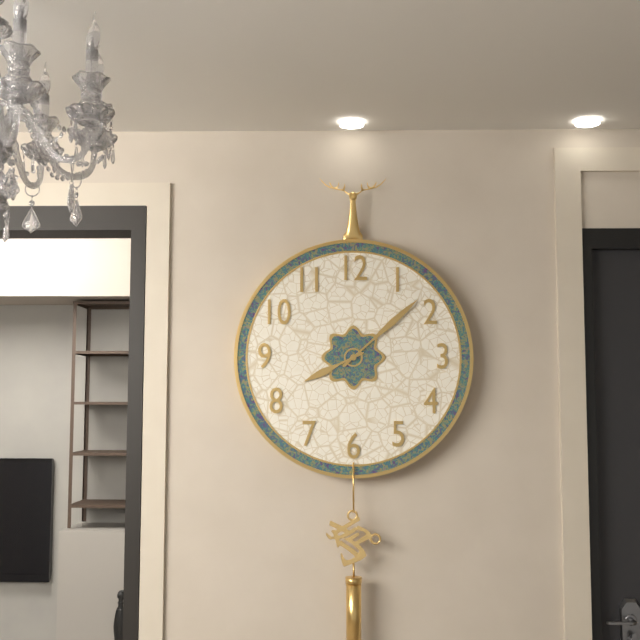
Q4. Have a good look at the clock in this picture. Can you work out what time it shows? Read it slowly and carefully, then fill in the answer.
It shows 8:08
